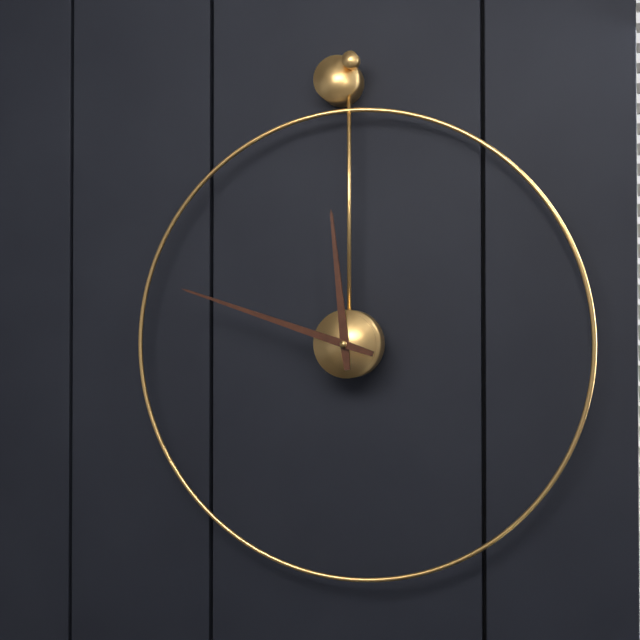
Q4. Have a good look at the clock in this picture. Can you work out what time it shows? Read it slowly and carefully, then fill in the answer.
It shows 11:48
